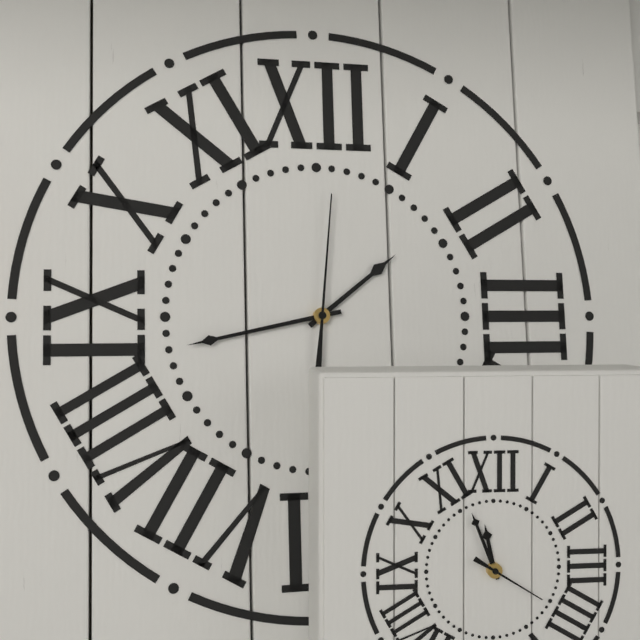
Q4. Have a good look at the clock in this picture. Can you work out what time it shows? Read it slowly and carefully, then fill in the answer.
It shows 1:43:01
